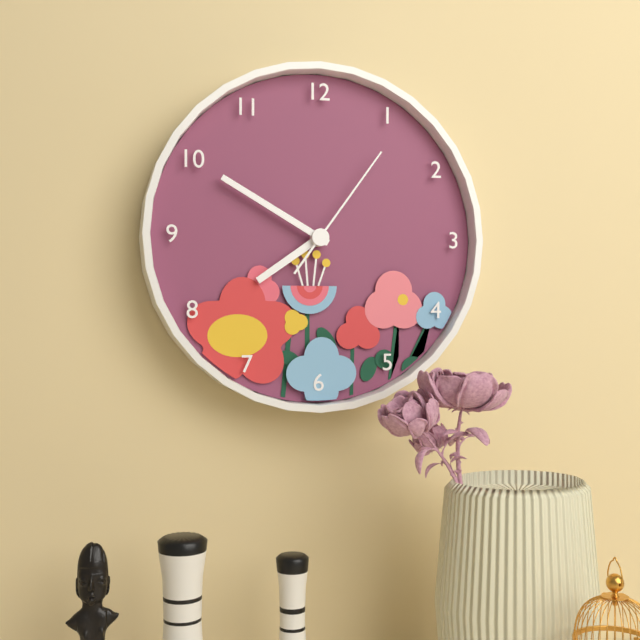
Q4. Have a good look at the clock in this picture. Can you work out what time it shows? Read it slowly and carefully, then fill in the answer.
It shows 7:50:06
